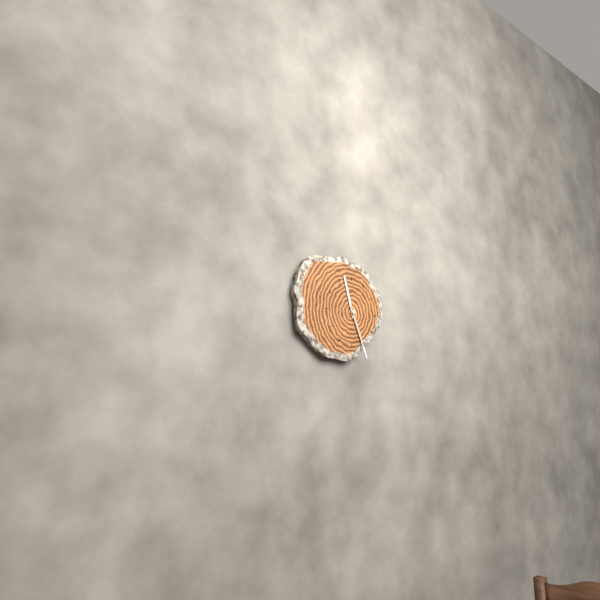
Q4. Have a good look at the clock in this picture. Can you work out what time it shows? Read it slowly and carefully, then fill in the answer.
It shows 11:26
